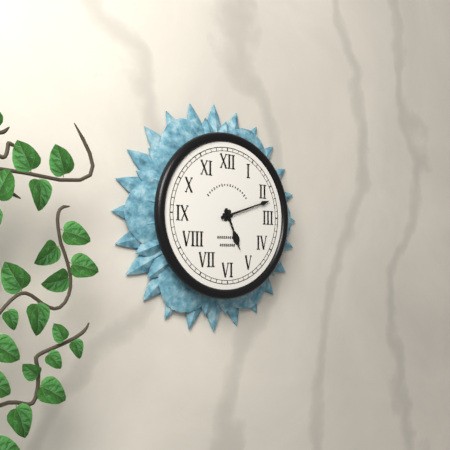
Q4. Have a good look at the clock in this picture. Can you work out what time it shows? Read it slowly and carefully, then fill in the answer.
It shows 5:12
